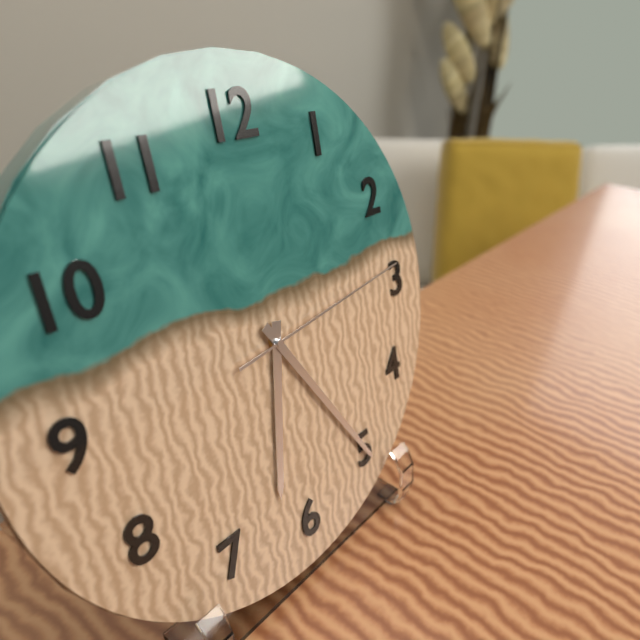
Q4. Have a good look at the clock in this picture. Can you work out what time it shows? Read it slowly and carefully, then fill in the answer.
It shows 6:25:14
